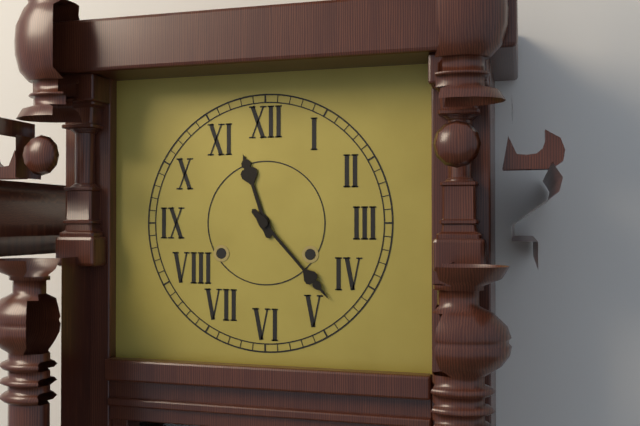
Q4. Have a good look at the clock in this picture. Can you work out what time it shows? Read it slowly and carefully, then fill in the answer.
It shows 11:23
